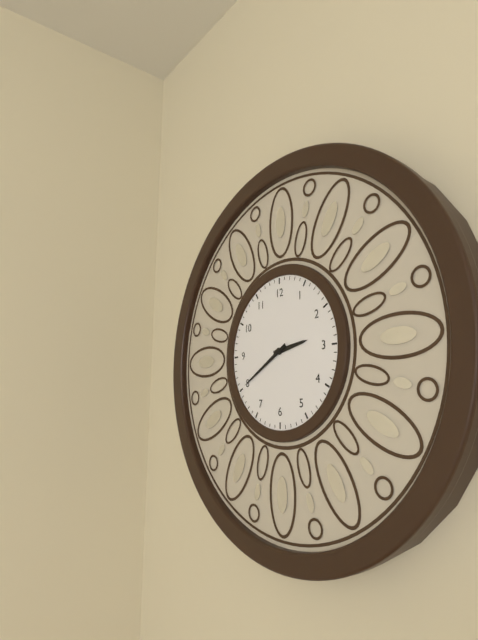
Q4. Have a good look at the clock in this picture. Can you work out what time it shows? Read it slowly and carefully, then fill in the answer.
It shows 2:40
